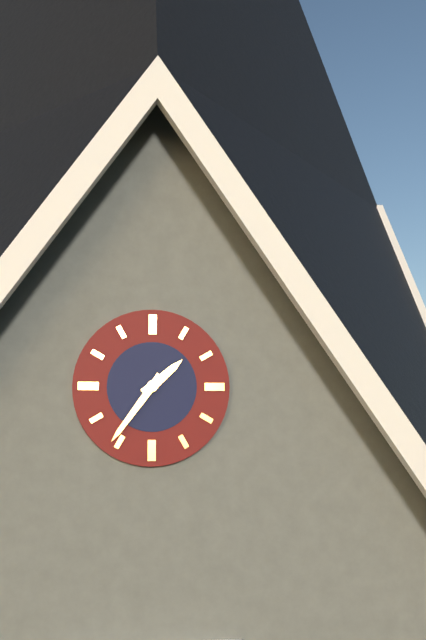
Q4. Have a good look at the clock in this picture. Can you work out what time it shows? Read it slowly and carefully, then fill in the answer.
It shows 1:36
